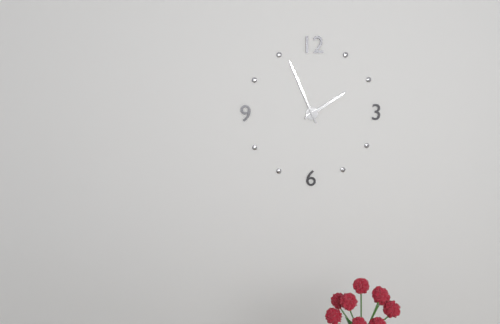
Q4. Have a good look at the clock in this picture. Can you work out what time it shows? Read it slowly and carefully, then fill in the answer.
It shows 1:56
